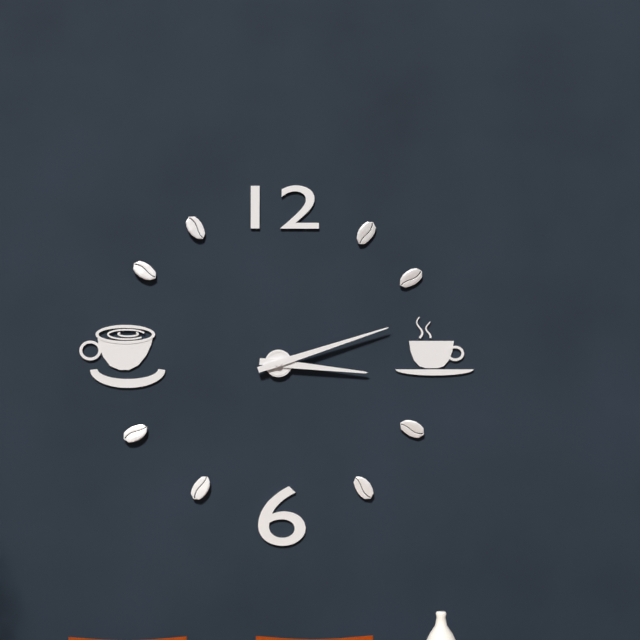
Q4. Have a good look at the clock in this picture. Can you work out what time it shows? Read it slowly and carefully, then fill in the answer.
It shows 3:12
